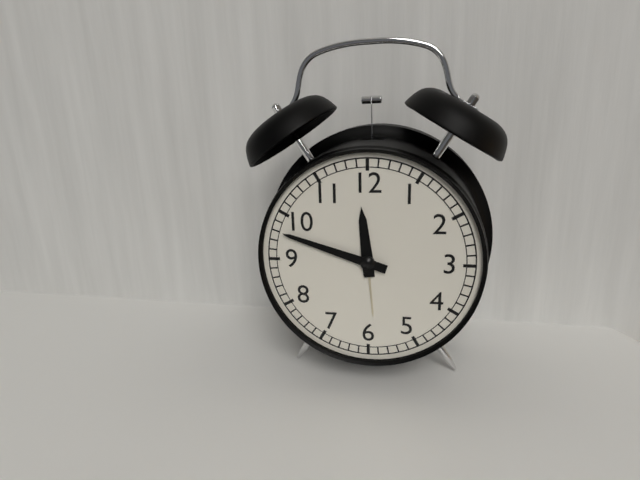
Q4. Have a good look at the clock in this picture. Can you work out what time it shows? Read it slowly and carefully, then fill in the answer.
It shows 11:48
